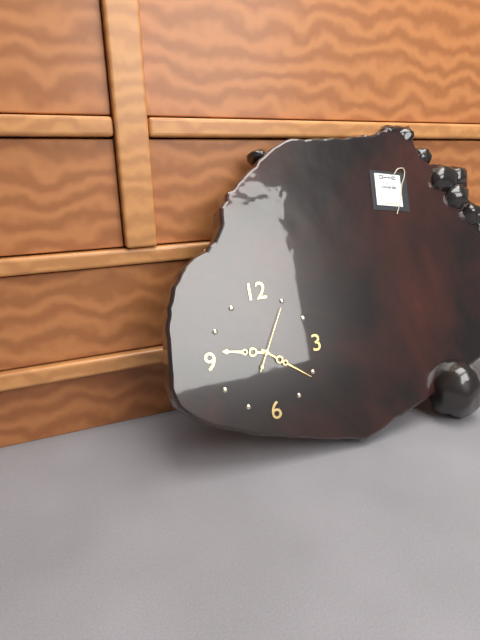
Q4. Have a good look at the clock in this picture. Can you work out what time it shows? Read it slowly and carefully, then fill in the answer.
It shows 9:21:05
